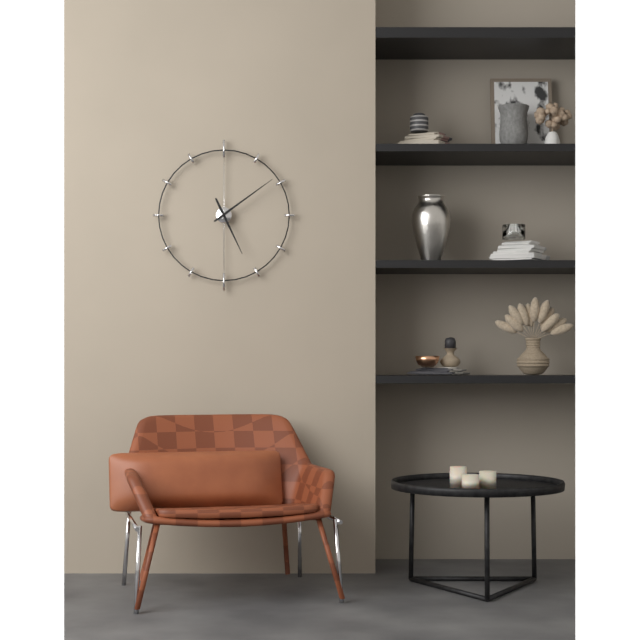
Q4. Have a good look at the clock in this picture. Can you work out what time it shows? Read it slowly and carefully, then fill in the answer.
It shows 5:09
